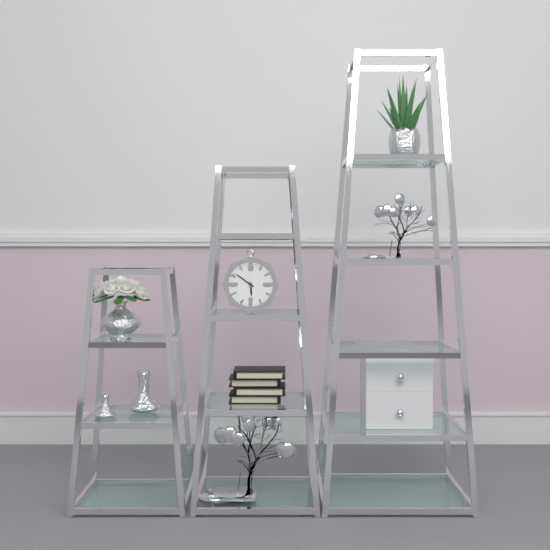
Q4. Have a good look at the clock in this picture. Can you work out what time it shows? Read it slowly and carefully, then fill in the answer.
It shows 5:51
